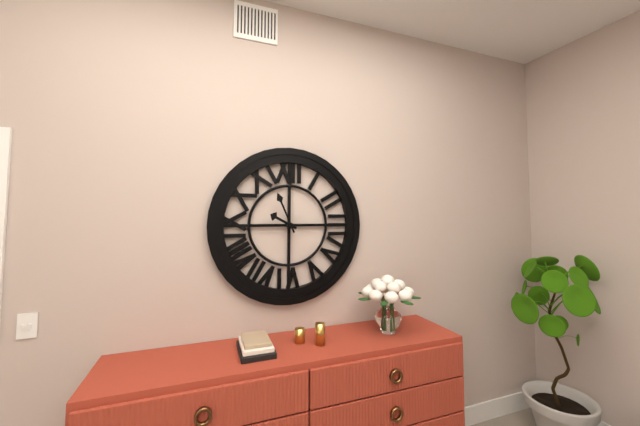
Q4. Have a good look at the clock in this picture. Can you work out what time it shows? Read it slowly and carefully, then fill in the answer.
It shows 9:56
